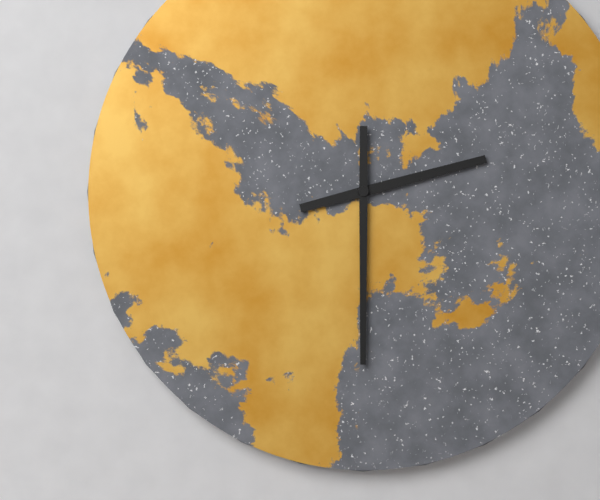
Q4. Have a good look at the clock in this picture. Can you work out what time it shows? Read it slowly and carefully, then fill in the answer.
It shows 2:30
